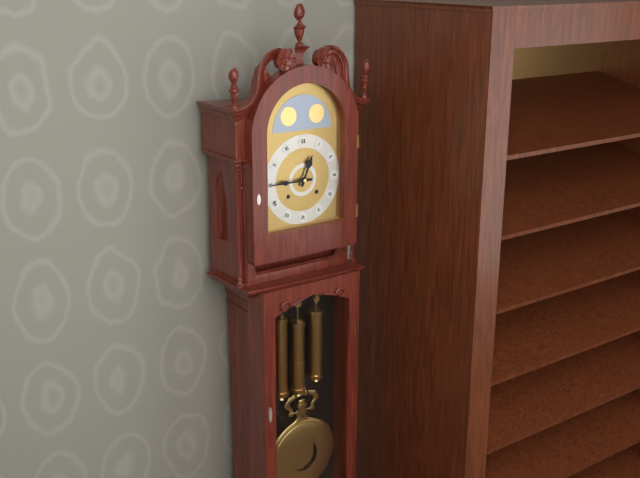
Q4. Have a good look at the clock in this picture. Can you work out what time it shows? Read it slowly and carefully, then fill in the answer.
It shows 12:45
